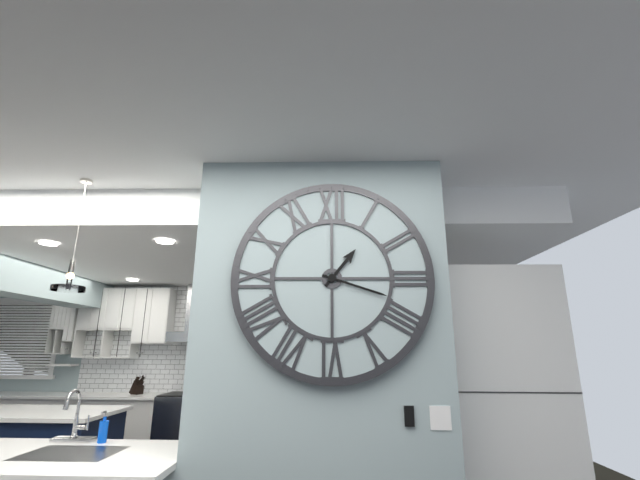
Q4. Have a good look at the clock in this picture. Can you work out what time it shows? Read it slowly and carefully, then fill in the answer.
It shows 1:18
